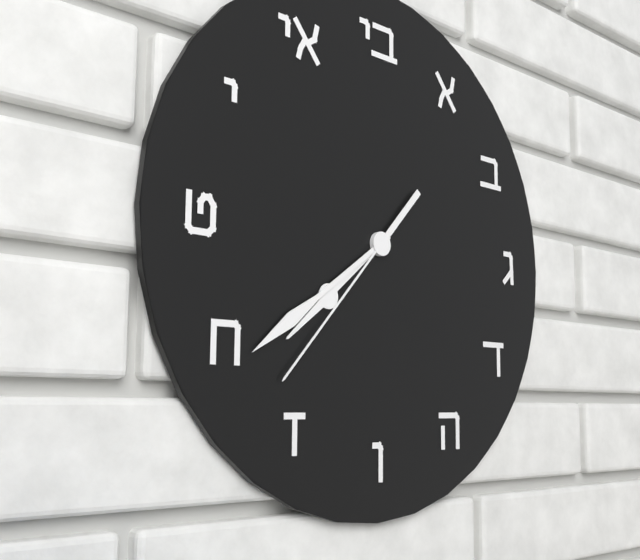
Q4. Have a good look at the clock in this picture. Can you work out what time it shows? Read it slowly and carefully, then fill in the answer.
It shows 7:39:37
